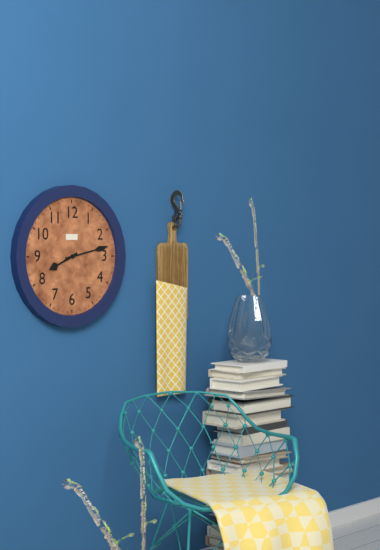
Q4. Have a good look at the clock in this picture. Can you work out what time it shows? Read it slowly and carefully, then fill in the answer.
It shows 8:13
